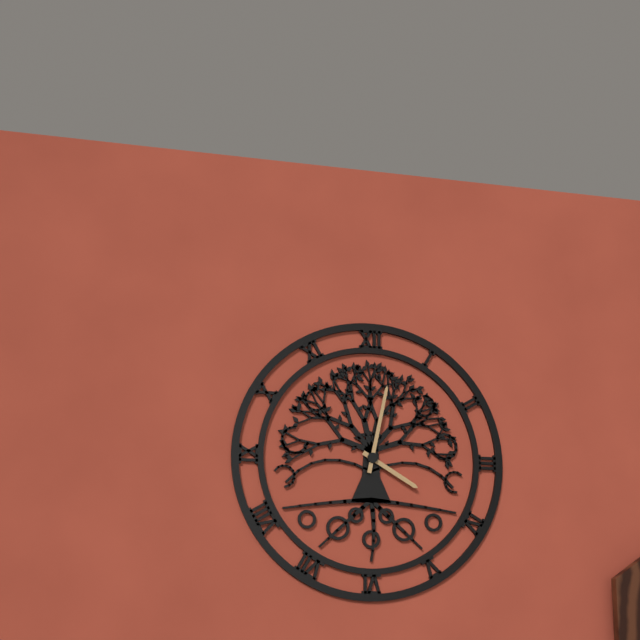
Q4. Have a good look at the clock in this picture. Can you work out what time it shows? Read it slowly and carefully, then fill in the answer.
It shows 4:02
